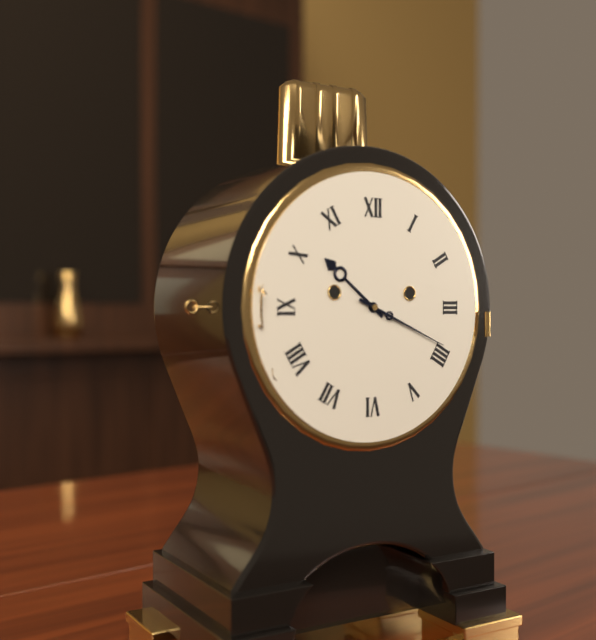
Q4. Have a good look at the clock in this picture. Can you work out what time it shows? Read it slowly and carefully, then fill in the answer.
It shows 10:19
